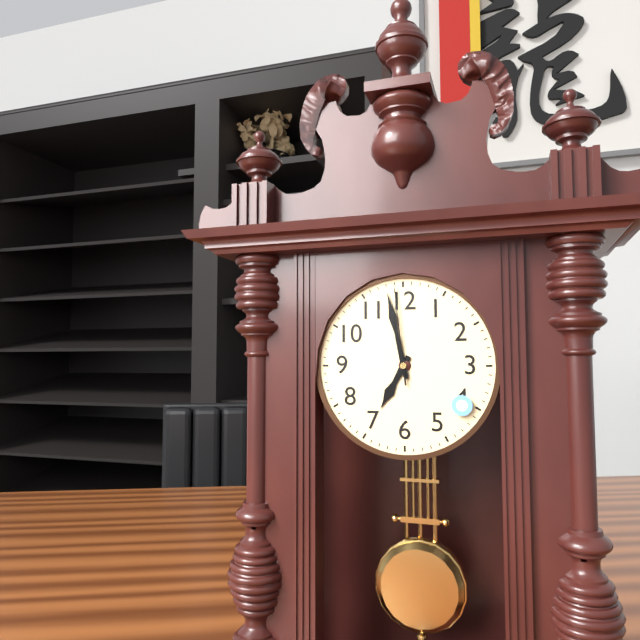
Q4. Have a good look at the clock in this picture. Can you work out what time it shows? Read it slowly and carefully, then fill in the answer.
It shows 6:58:59
